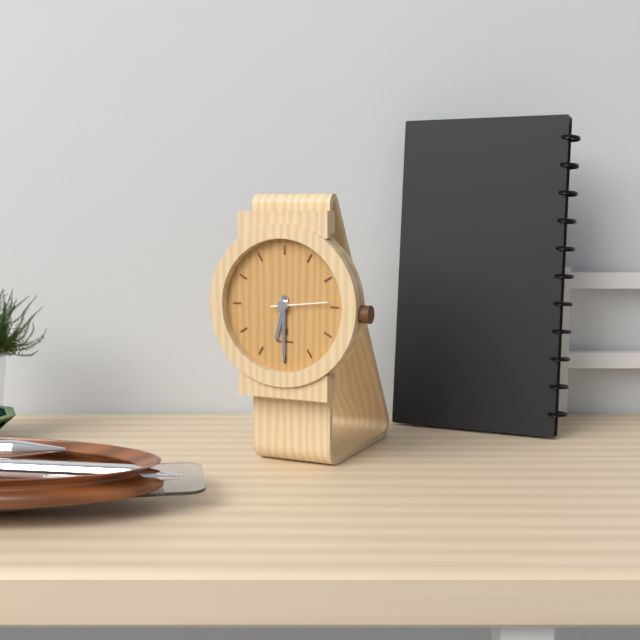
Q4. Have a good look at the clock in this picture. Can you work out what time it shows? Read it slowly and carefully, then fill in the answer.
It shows 6:30:14
